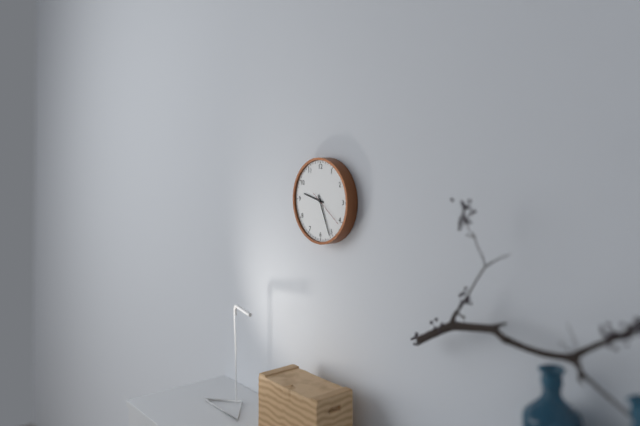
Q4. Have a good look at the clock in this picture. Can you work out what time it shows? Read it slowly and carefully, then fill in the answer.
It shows 9:26
